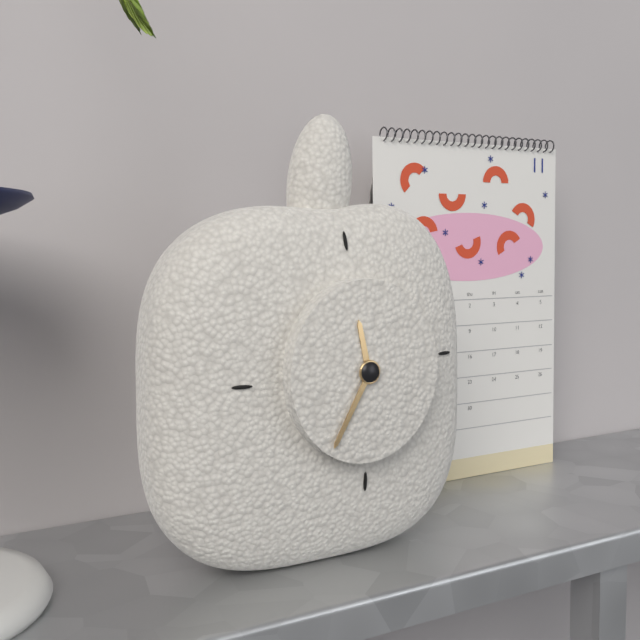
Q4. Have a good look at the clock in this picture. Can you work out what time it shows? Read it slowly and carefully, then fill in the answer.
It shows 11:35
